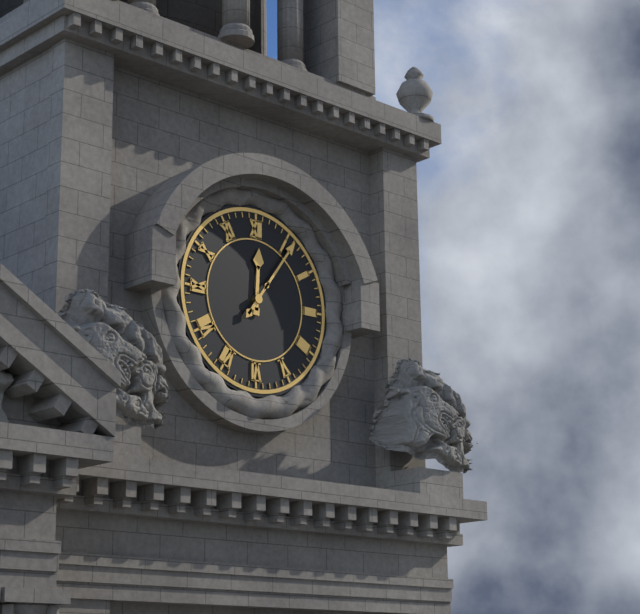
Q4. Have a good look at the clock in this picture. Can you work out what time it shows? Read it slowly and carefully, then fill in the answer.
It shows 12:06
